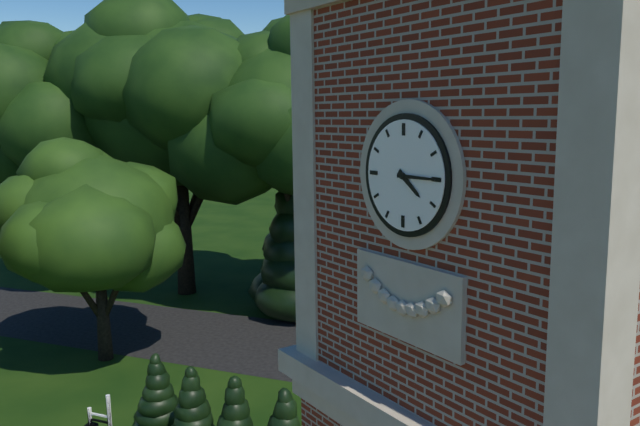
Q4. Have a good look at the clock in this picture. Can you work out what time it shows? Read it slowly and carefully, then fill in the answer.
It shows 4:15
